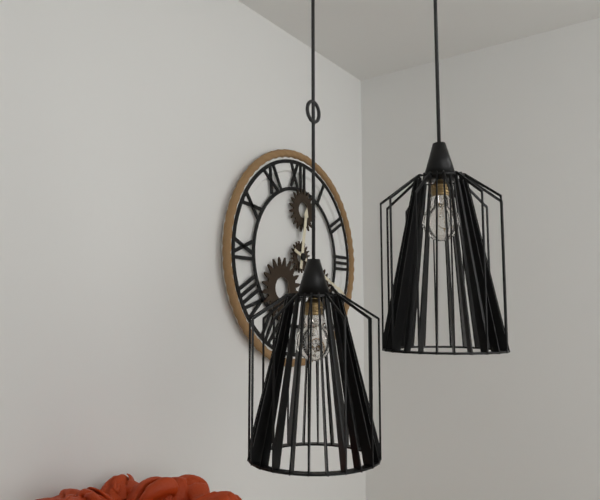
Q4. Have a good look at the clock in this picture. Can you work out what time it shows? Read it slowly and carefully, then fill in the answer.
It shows 12:19
